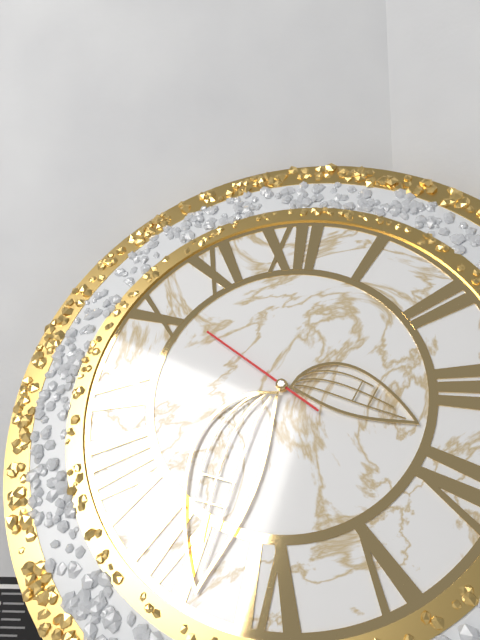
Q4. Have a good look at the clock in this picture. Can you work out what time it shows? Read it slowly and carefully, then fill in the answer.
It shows 3:33:51
